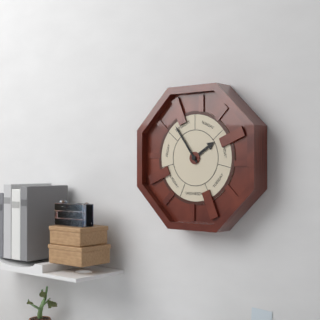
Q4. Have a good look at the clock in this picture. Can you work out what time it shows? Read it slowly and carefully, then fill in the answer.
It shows 1:54
